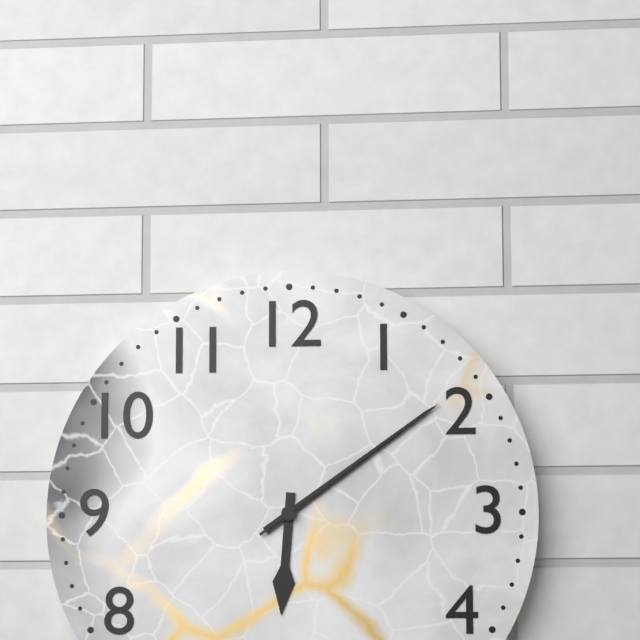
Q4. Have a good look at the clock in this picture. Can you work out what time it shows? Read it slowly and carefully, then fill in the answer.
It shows 6:09:09
